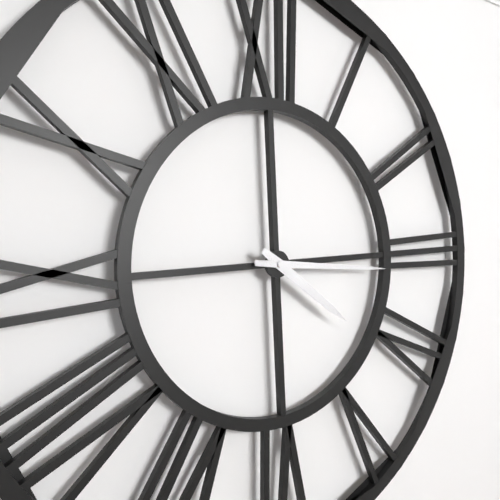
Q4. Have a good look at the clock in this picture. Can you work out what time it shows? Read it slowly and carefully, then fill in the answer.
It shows 4:16
